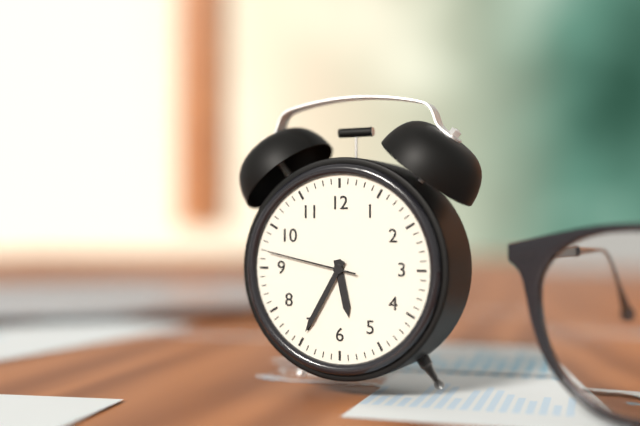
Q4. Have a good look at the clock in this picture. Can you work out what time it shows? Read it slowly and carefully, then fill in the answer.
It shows 5:35:47
